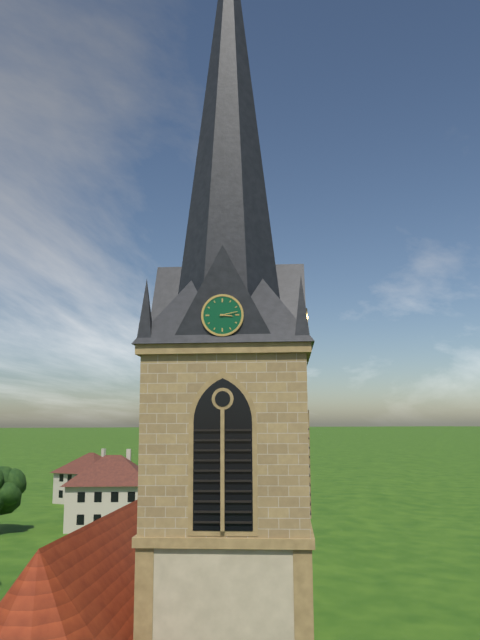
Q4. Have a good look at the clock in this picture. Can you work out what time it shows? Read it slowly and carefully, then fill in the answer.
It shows 3:13
